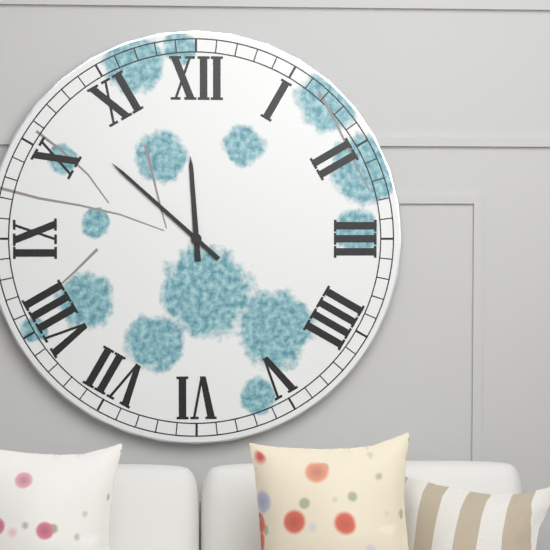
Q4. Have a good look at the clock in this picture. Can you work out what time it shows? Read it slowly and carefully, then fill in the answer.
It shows 11:52
